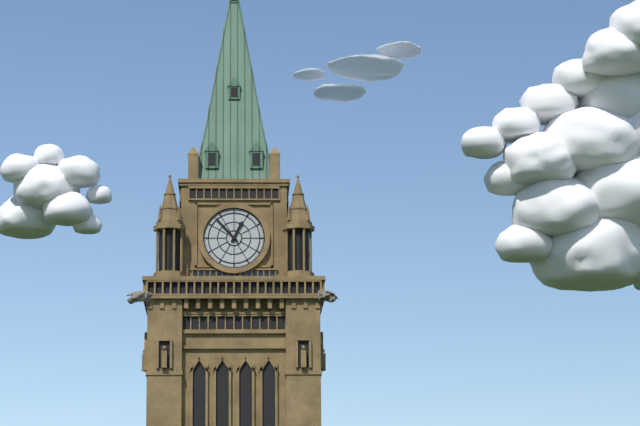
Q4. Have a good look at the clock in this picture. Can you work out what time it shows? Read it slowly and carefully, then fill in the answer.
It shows 12:53
